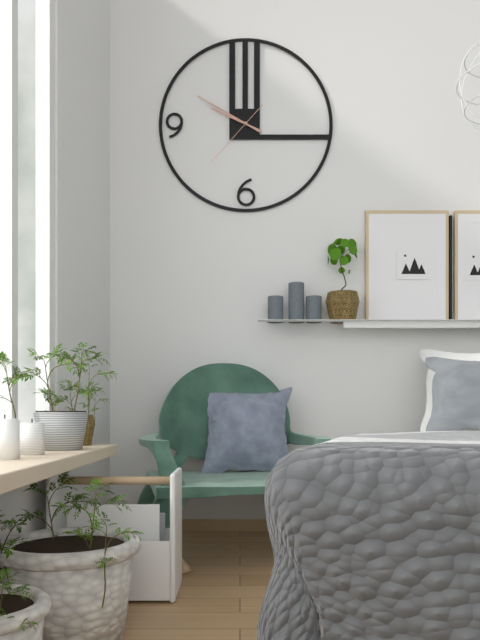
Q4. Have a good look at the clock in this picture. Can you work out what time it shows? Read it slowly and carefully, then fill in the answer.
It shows 9:50:37
